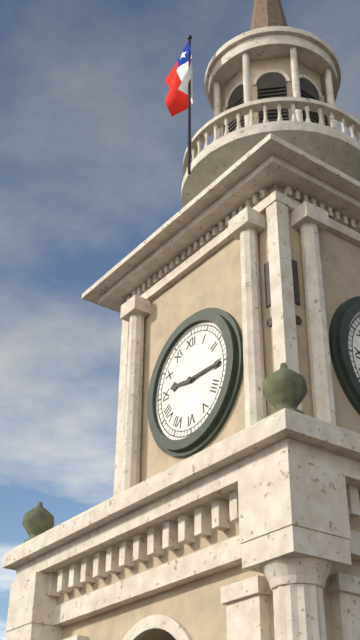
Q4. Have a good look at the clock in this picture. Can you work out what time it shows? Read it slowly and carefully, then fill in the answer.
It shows 9:15
